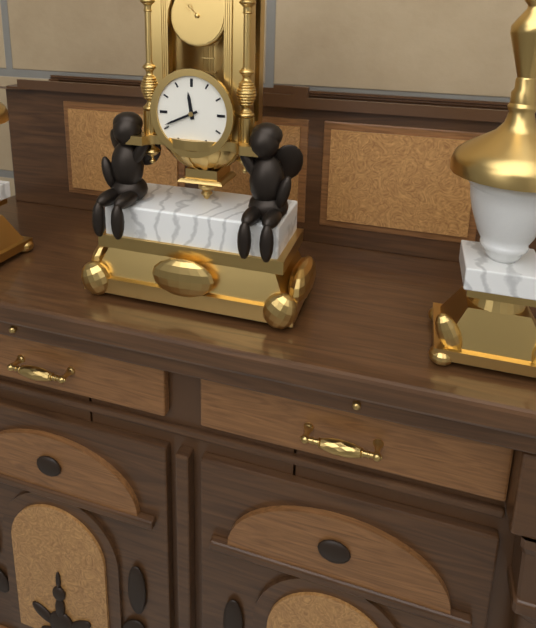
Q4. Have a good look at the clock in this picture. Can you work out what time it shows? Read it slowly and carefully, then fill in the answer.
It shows 11:41
